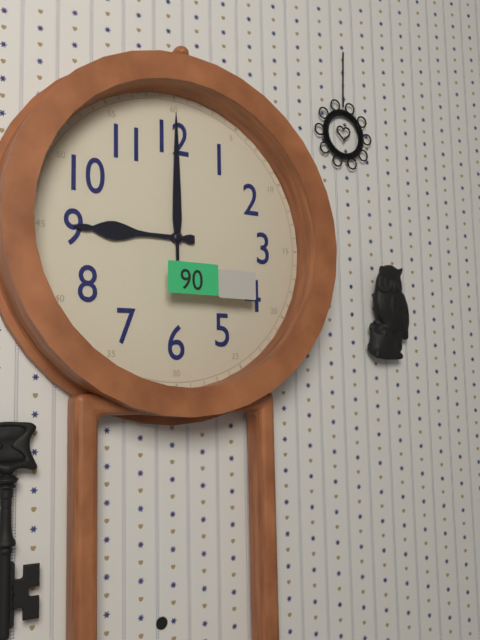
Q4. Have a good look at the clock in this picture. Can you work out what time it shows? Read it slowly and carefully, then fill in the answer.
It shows 9:00
